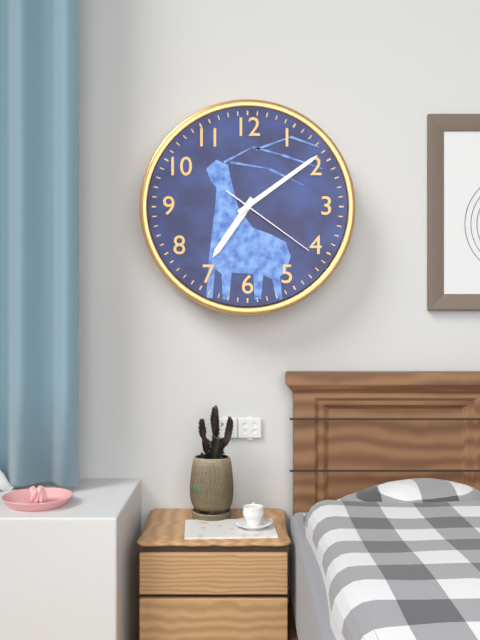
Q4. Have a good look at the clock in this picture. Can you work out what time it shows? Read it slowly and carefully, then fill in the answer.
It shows 7:09:21
